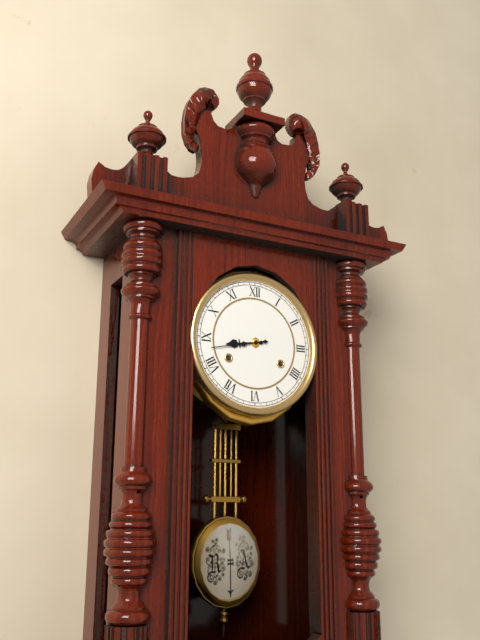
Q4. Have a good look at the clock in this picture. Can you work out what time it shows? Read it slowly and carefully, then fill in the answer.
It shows 8:43
